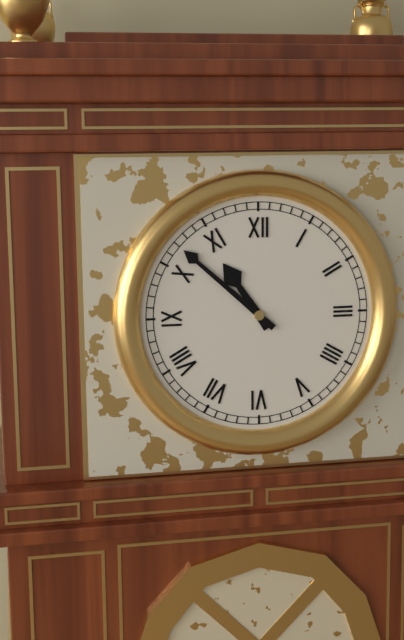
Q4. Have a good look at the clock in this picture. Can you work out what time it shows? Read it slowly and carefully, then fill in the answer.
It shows 10:52
